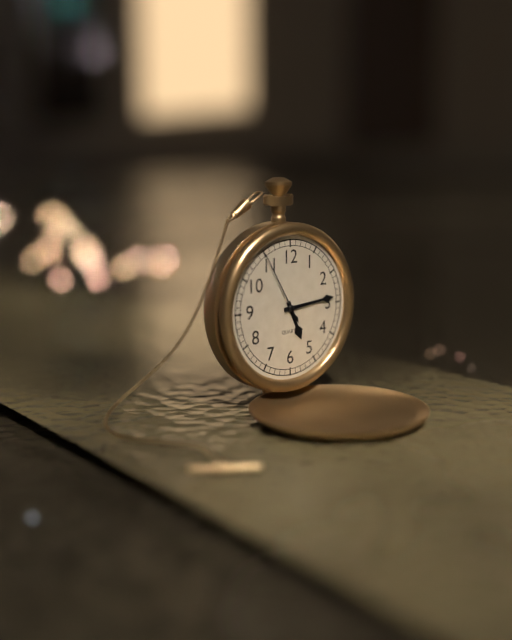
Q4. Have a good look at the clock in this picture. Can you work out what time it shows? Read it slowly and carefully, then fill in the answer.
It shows 5:14:55
